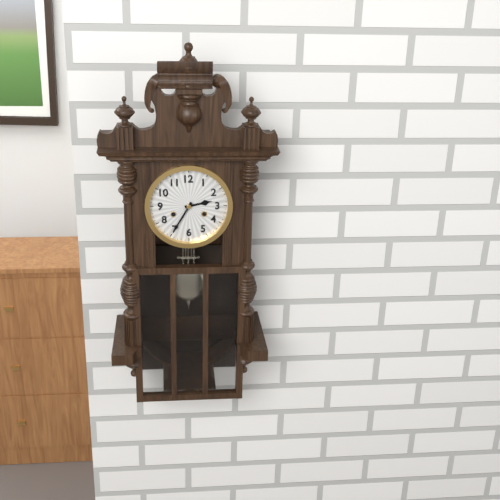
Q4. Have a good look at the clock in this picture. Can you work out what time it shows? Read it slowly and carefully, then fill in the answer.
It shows 2:35
